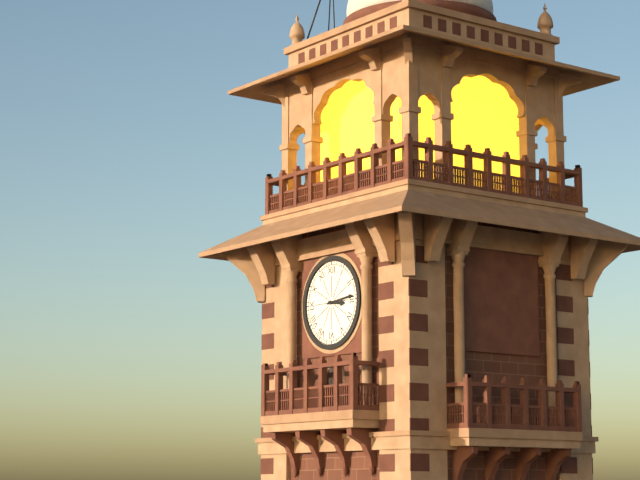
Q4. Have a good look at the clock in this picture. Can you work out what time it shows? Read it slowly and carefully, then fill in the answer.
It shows 3:14
